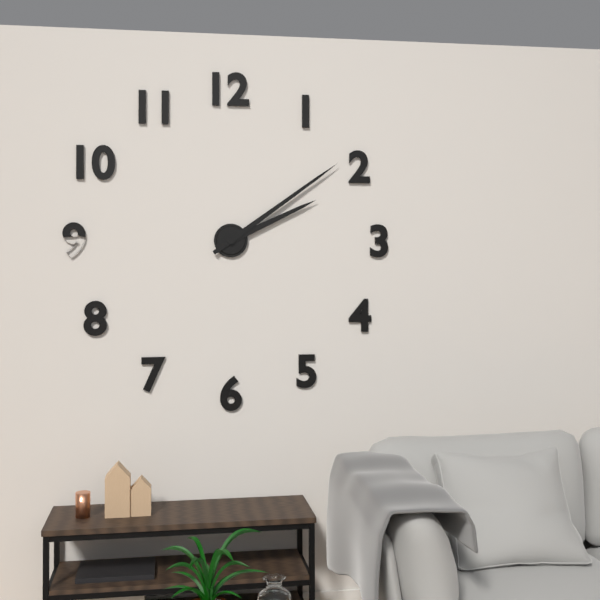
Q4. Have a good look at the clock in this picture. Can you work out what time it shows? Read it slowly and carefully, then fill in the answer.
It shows 2:09
